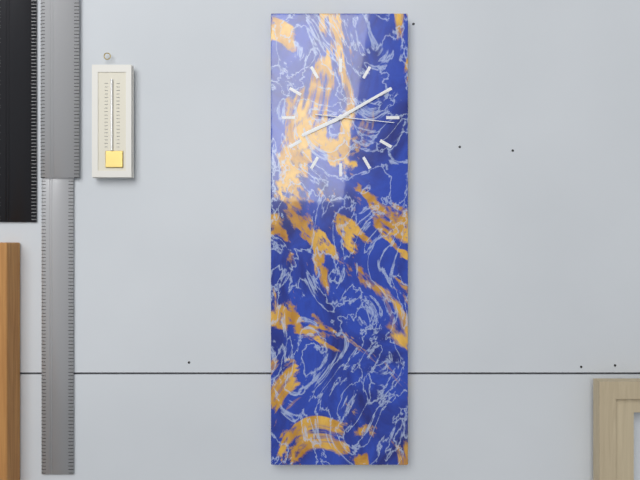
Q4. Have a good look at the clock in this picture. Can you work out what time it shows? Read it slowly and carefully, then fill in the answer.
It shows 8:10:16
